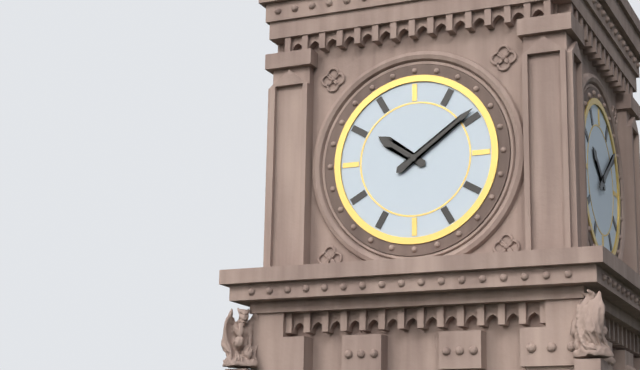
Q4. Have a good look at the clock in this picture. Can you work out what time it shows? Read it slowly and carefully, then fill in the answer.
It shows 10:09
